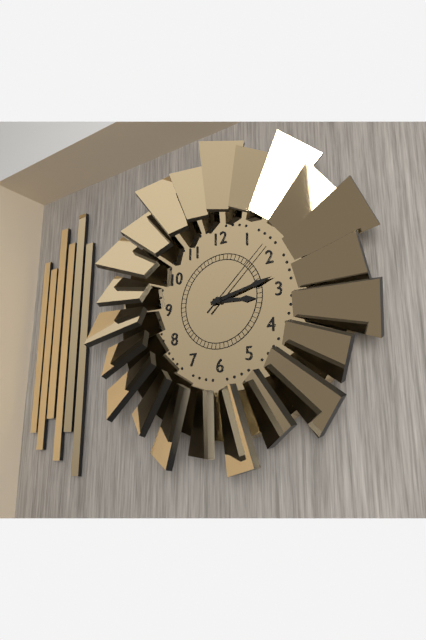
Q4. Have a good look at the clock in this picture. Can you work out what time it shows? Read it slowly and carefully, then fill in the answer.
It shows 3:13:08
